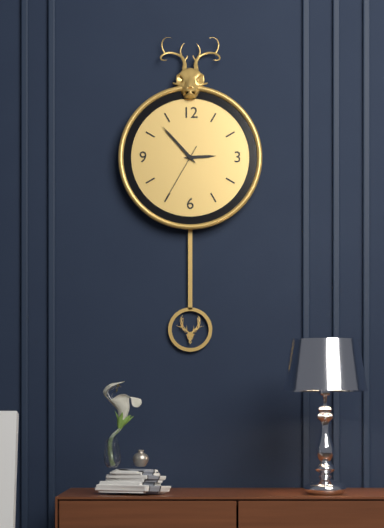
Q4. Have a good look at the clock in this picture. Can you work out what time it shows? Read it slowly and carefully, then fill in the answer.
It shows 2:53:35
